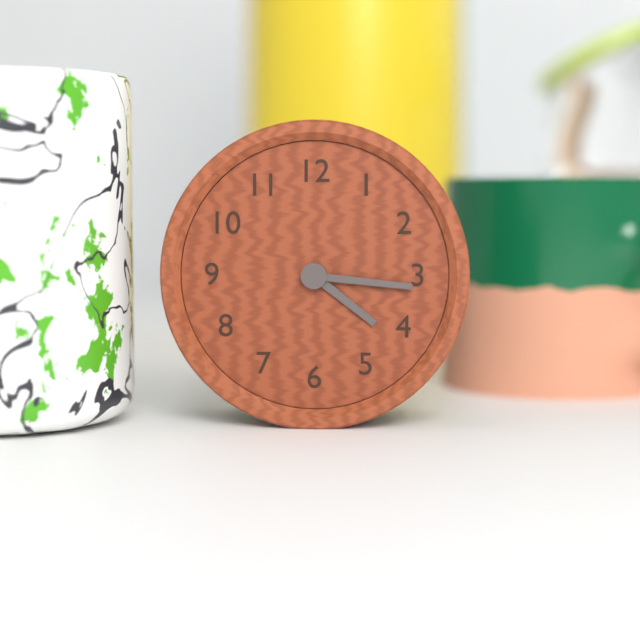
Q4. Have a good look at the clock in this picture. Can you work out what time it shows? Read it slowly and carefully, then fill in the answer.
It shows 4:16
